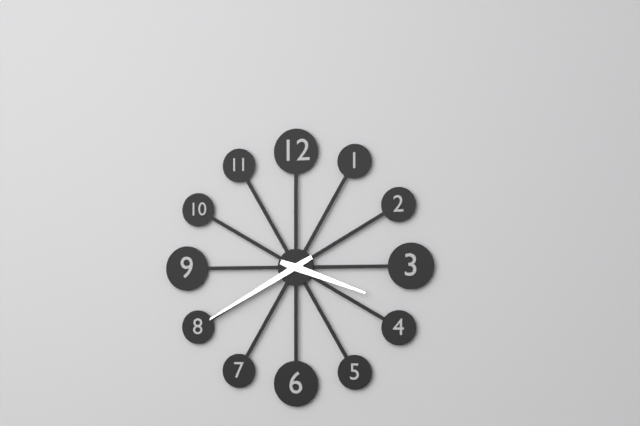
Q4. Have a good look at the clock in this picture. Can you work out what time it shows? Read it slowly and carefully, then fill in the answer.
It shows 3:40
